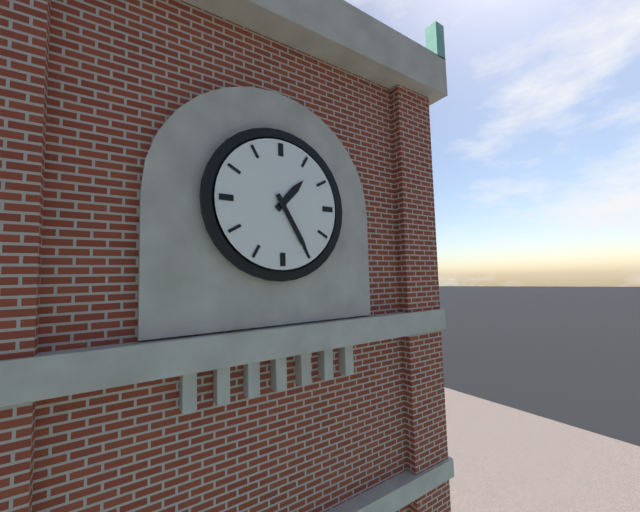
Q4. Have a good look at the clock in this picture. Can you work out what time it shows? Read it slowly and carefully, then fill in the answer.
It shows 1:25
